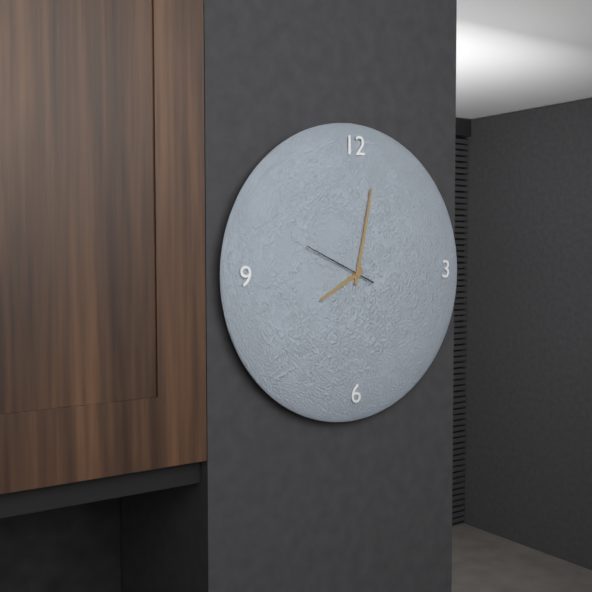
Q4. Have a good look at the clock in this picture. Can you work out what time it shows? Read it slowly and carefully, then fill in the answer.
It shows 8:02:49
